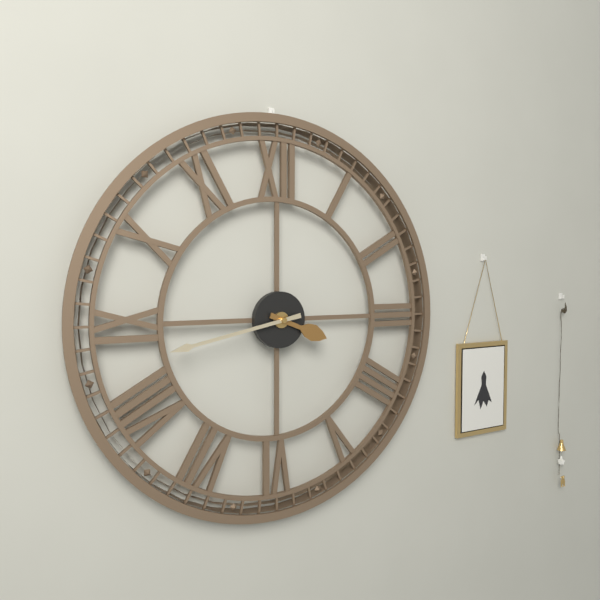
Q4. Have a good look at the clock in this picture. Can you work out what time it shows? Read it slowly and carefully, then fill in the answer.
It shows 3:43
